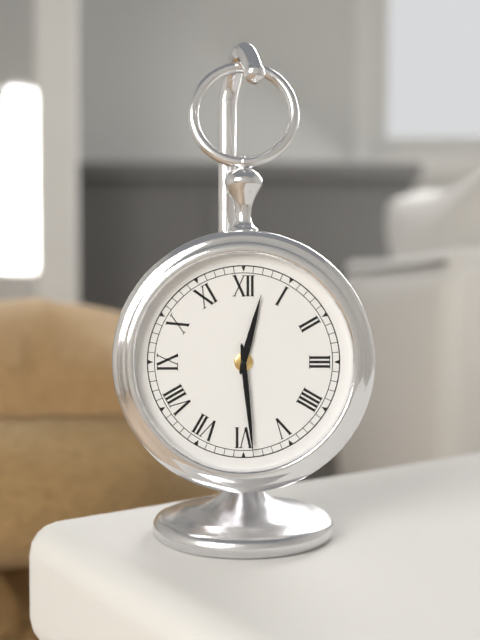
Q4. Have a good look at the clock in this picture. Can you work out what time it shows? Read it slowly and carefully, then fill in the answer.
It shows 12:29
